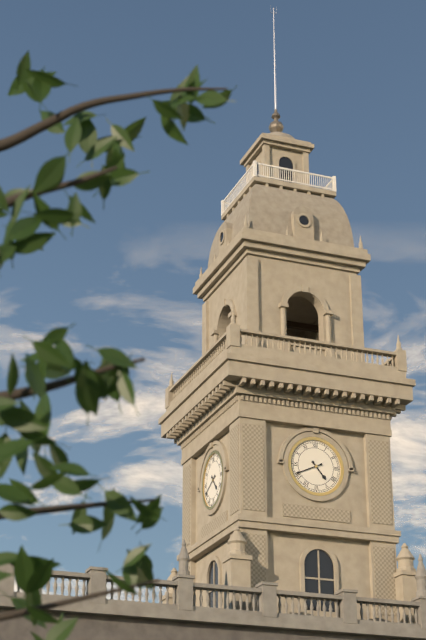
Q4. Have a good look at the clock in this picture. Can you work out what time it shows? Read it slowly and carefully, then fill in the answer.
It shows 4:41
